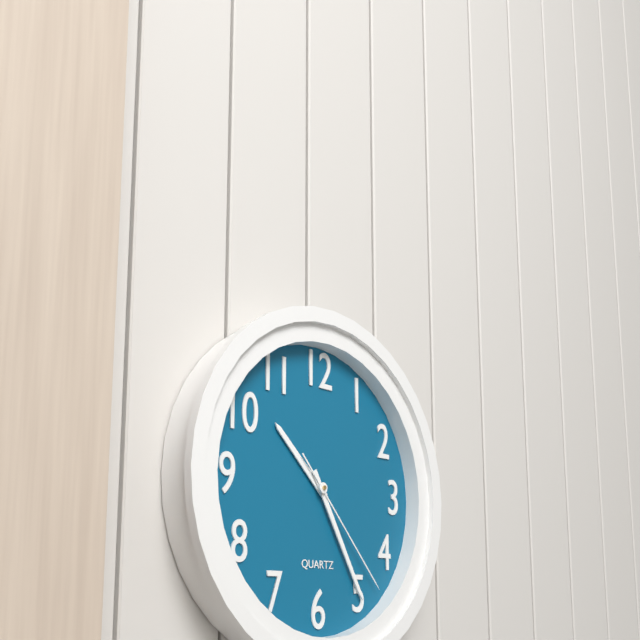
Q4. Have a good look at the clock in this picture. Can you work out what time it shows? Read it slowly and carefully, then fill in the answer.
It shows 10:25:23
